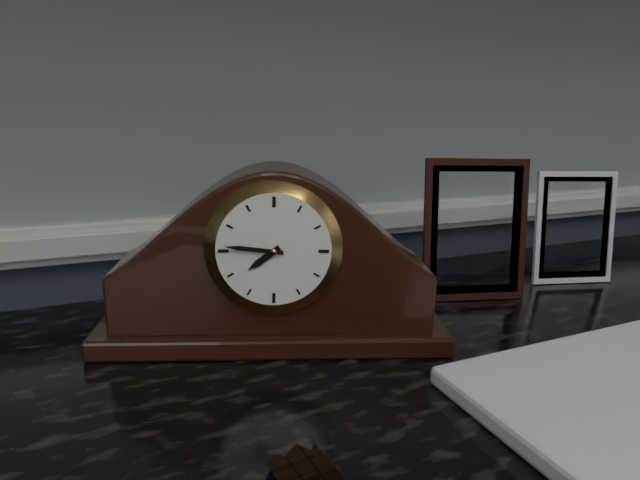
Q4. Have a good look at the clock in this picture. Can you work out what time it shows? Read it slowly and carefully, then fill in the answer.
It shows 7:46
